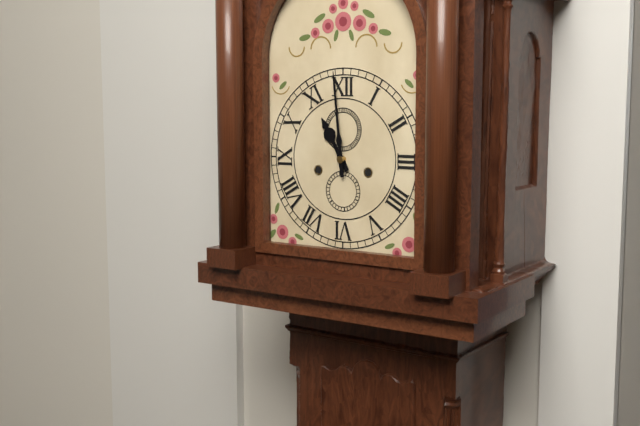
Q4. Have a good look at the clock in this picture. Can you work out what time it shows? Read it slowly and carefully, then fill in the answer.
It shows 10:59
